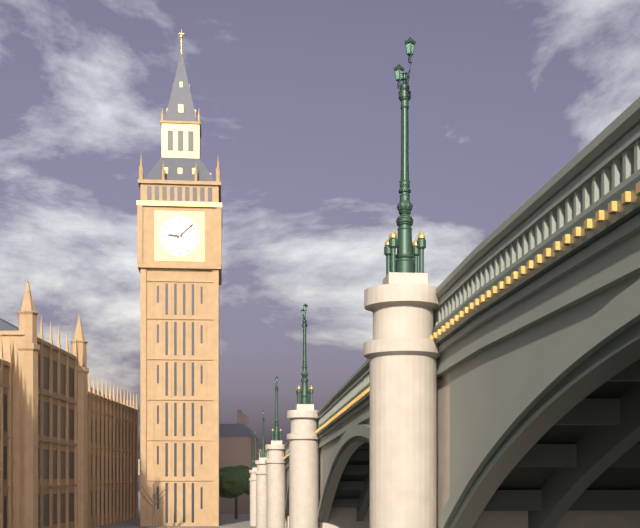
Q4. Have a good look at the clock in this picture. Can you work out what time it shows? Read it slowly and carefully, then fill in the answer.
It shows 9:08
